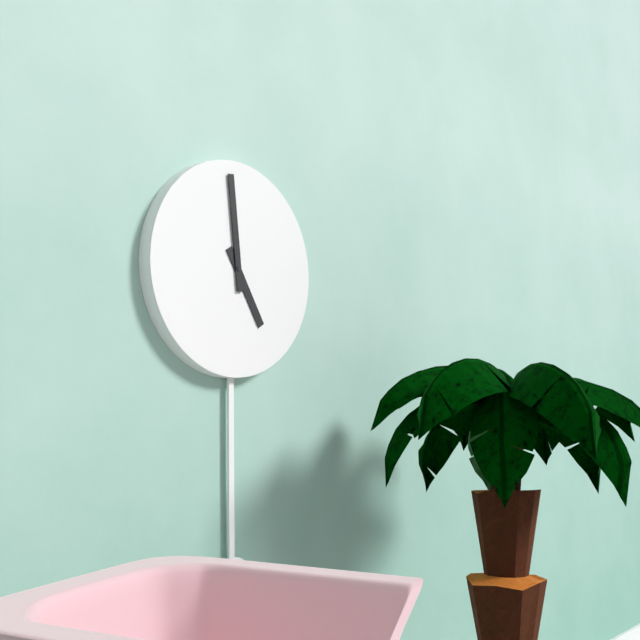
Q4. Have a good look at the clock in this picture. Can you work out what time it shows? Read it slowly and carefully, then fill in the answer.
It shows 4:59
